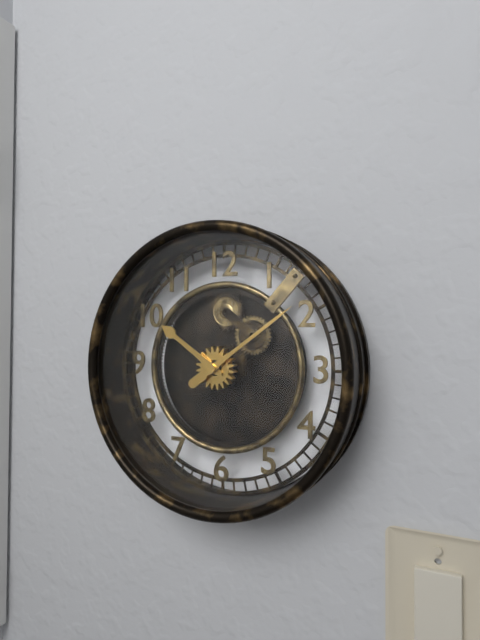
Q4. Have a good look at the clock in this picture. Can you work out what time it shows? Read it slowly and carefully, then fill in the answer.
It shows 10:09
